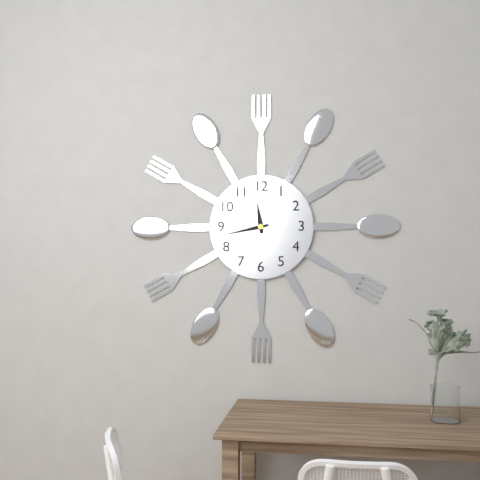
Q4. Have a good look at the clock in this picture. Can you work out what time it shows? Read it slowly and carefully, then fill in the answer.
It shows 11:43
